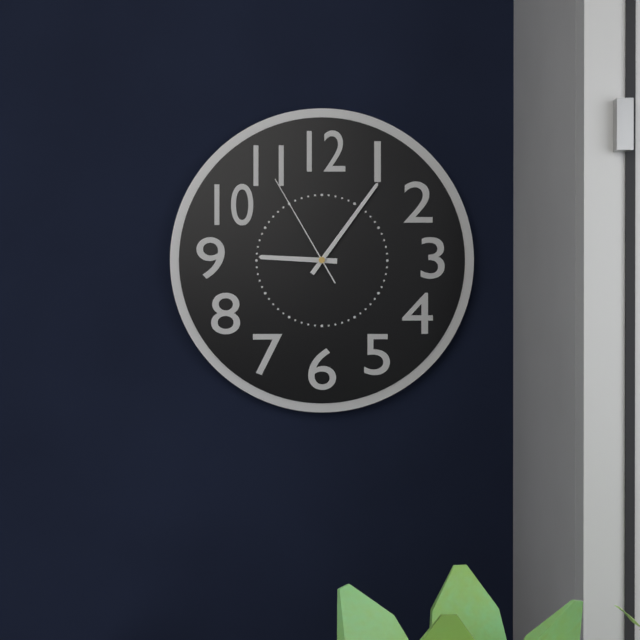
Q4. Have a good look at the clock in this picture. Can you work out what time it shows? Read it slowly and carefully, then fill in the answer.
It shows 9:06:55
